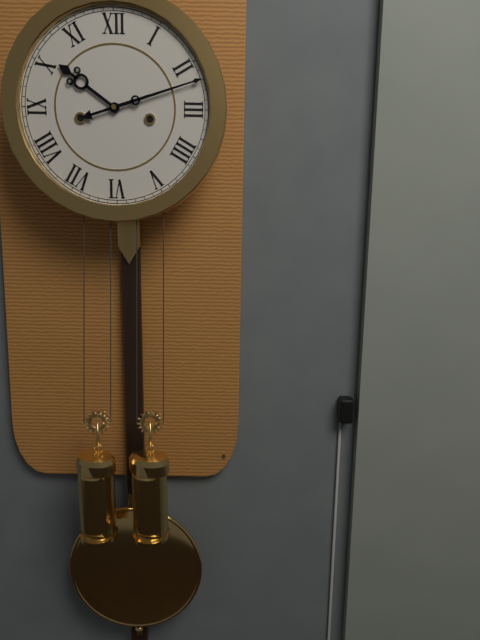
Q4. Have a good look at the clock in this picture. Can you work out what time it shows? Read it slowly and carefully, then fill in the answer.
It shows 10:12
